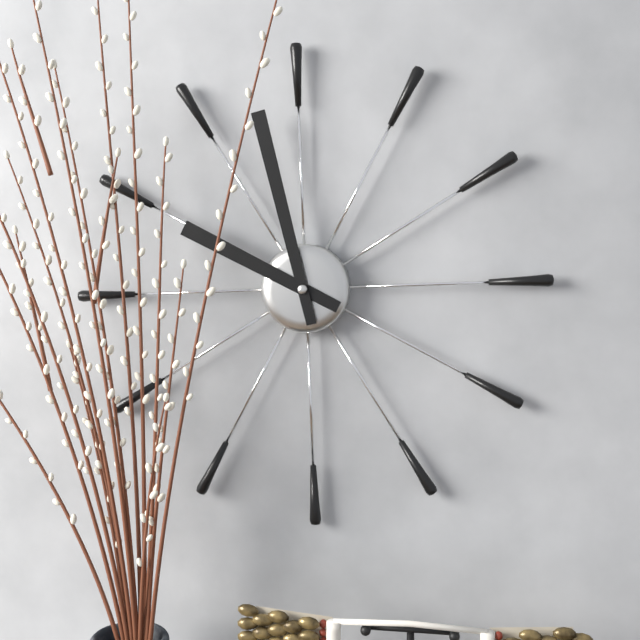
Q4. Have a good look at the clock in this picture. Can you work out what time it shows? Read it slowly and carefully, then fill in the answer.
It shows 9:58
